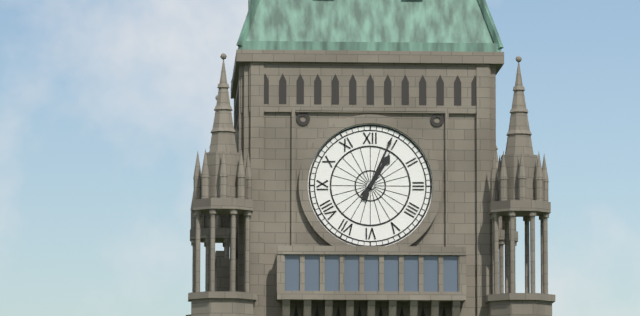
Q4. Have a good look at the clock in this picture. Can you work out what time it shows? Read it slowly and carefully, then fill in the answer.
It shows 1:04
